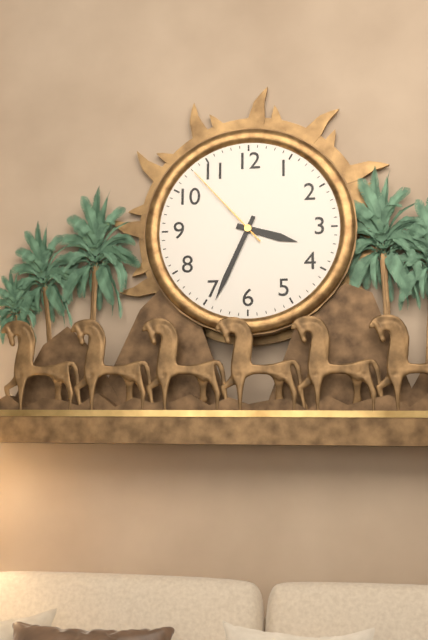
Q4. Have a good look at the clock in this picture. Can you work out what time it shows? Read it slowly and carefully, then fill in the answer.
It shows 3:34:53
